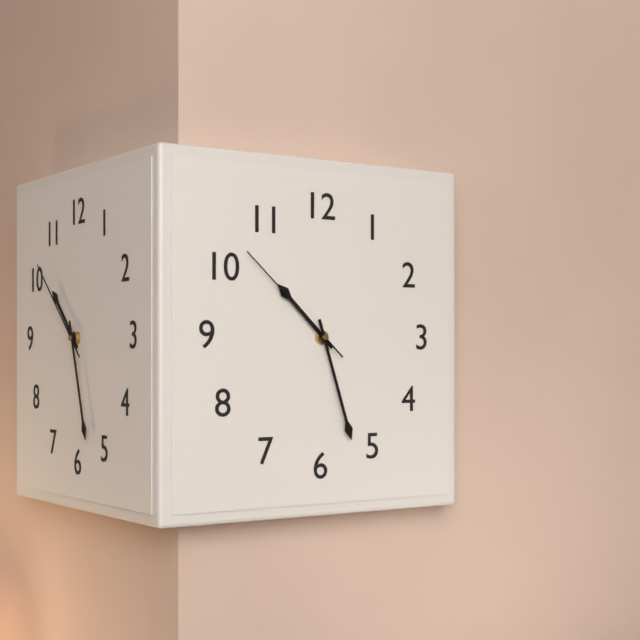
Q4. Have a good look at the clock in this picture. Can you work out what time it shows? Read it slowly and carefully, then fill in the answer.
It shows 10:27:52
